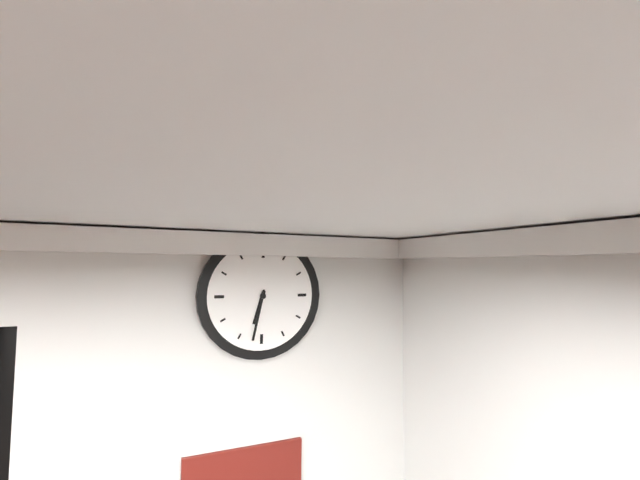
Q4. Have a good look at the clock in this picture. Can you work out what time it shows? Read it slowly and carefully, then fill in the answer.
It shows 6:32
